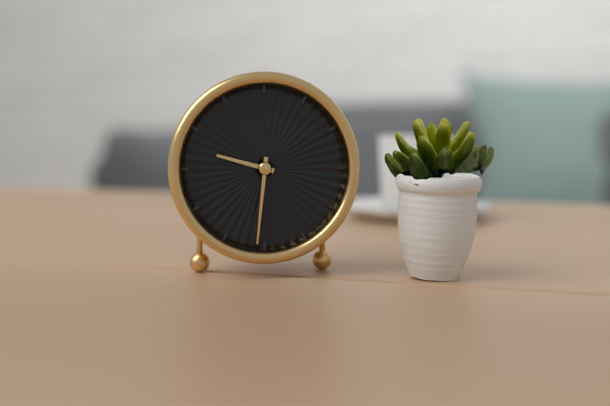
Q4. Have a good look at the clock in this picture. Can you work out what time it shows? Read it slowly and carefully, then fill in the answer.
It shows 9:31
